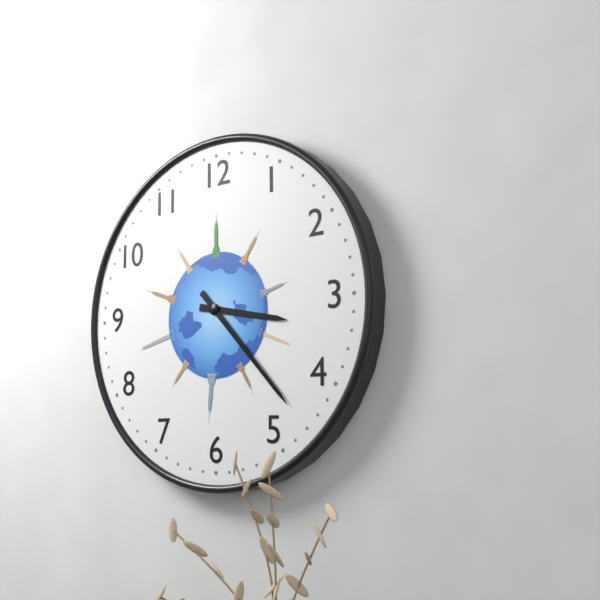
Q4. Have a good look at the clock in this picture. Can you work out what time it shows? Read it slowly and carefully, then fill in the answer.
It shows 3:23
